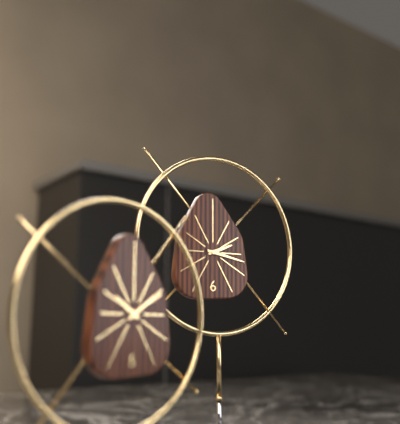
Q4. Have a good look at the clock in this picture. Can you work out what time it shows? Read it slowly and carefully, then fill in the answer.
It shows 2:17
